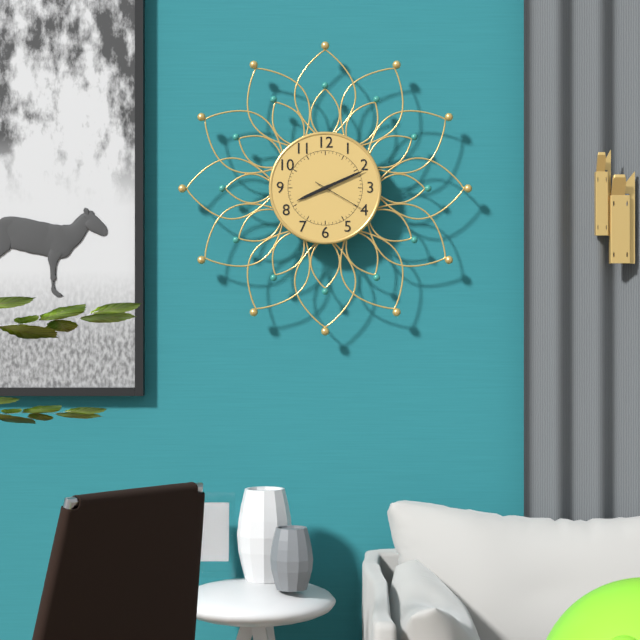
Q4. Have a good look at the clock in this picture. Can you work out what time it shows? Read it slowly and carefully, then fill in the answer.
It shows 8:11:20
